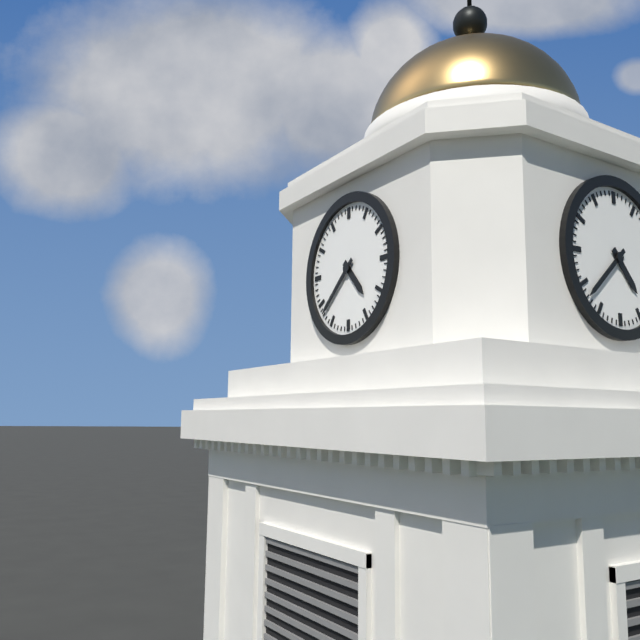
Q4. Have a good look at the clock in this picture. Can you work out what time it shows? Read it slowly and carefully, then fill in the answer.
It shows 4:38
